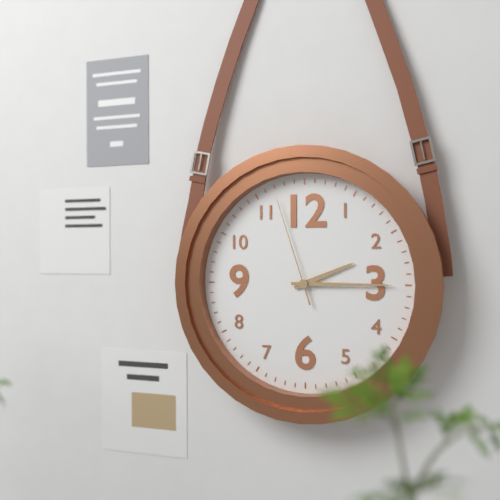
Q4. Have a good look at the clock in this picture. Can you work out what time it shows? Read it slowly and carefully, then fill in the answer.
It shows 2:15:57
